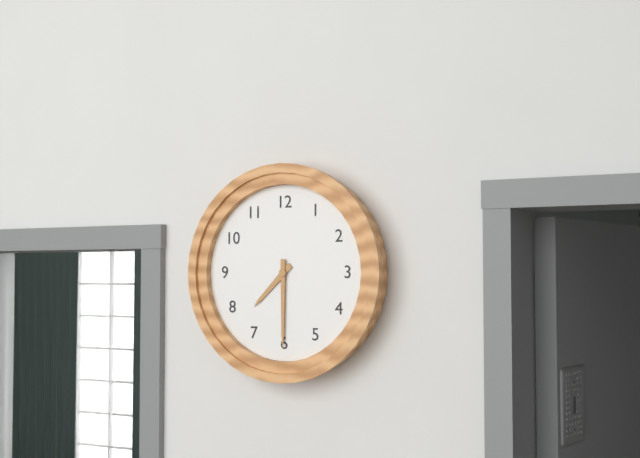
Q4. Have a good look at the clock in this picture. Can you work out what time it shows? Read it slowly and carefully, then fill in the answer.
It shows 7:30
